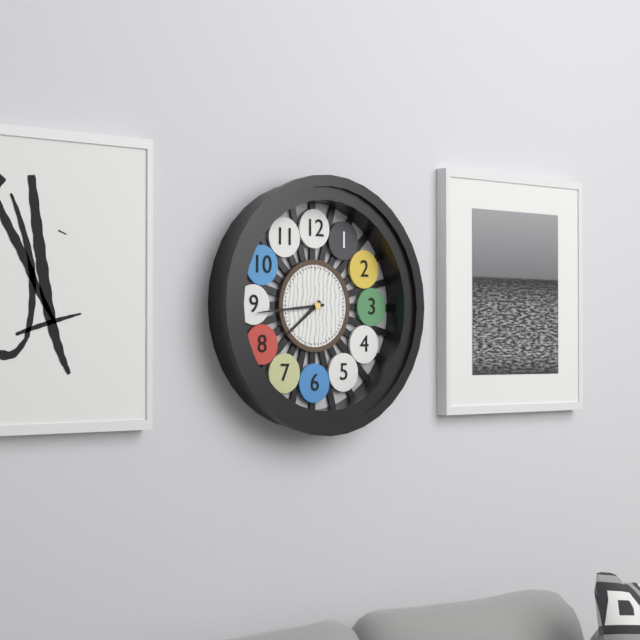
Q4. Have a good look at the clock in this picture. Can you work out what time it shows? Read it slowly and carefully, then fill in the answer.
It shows 7:44
